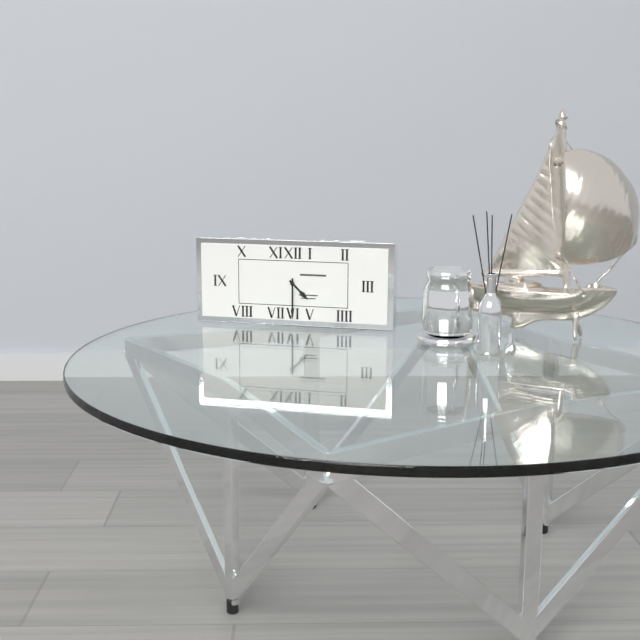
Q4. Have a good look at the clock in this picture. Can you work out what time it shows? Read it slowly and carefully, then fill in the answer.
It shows 4:30
